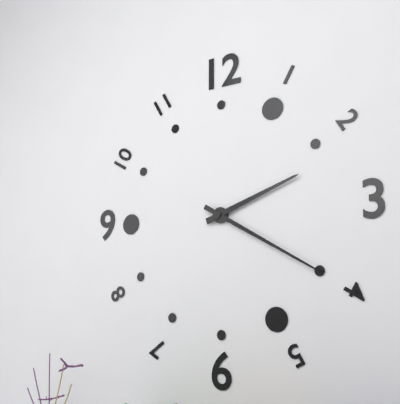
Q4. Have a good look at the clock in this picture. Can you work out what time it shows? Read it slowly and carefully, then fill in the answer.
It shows 2:20
